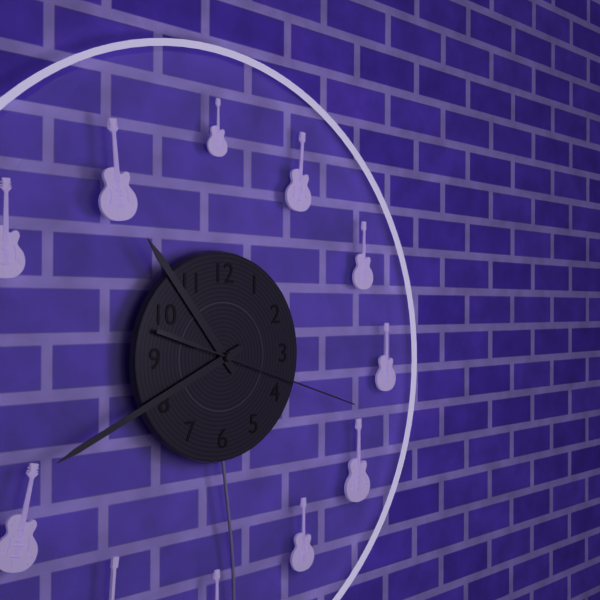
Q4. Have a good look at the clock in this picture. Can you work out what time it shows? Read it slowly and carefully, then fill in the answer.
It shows 10:41:18
